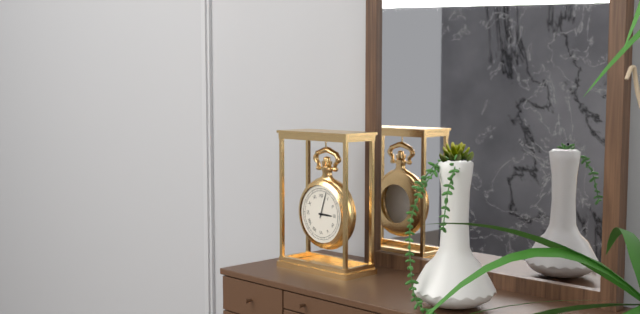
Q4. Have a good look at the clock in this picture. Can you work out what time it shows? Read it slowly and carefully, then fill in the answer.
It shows 3:03
